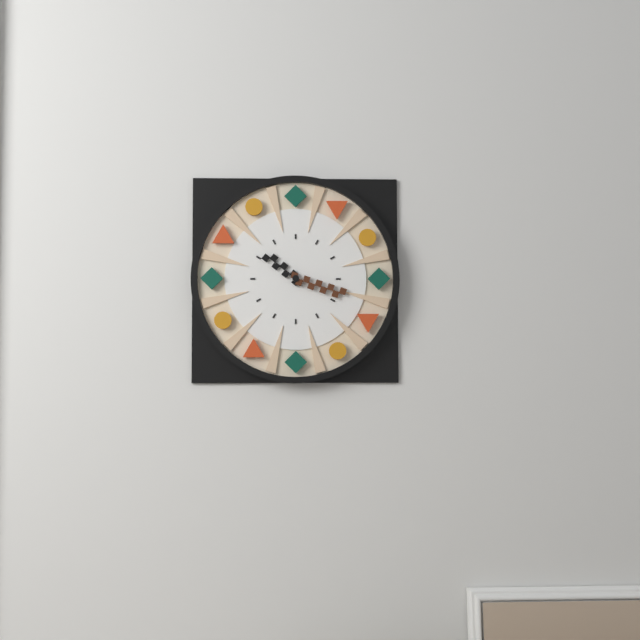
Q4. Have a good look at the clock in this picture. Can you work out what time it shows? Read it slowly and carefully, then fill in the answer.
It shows 10:18
